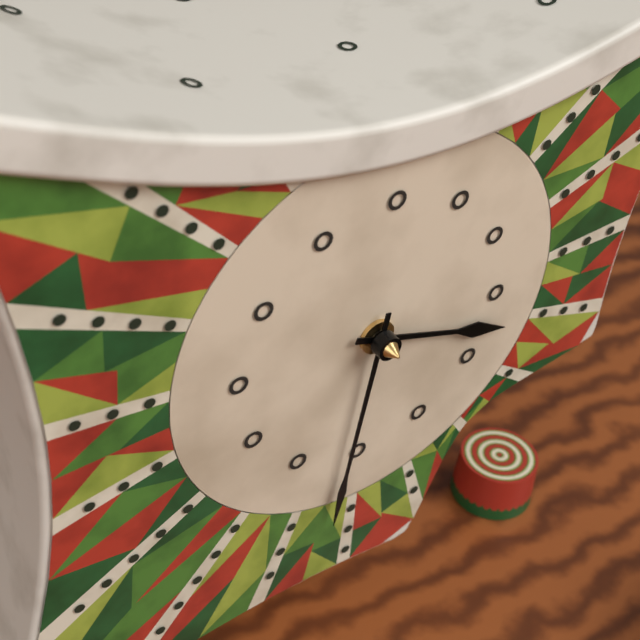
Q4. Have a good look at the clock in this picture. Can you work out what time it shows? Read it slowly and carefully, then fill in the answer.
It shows 3:31
